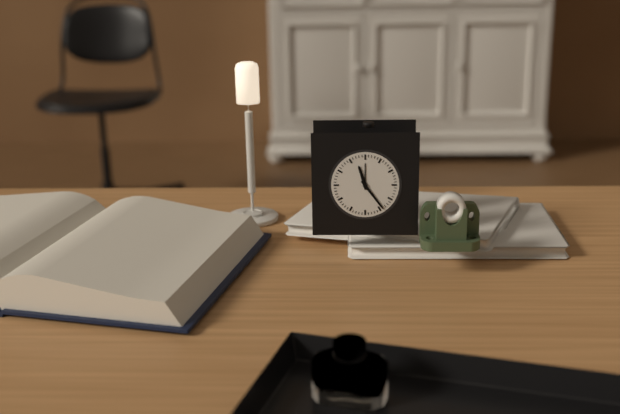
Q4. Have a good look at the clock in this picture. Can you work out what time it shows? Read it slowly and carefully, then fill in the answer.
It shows 11:24
